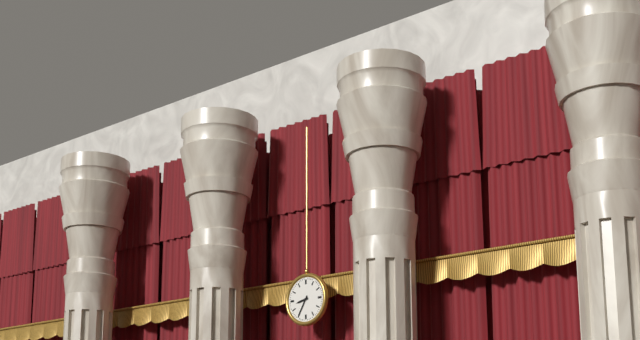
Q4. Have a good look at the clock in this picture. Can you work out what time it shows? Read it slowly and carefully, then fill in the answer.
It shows 8:35
